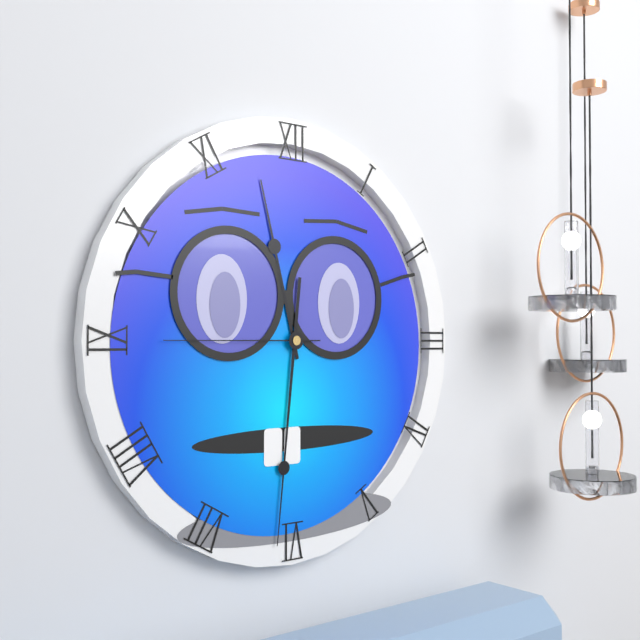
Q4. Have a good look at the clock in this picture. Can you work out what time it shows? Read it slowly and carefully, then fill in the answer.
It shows 11:31:45
